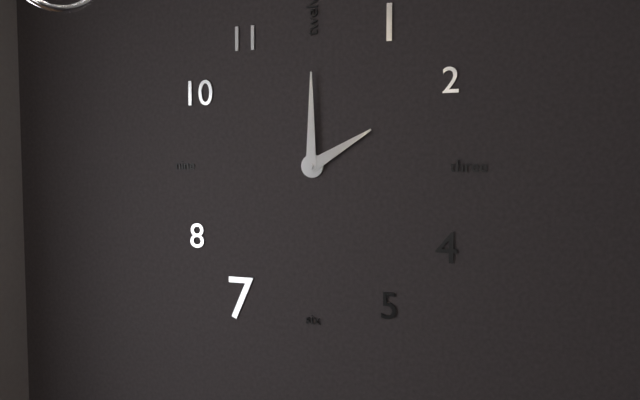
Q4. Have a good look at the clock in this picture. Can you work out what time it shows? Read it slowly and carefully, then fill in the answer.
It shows 2:00
